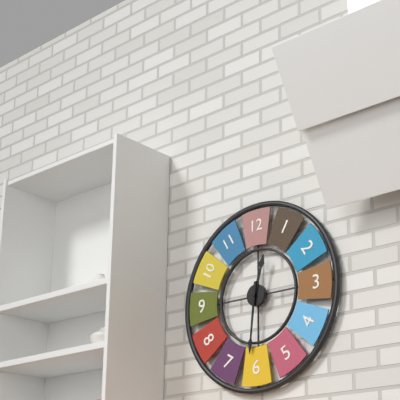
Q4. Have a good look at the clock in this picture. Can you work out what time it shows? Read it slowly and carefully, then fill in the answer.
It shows 12:31
